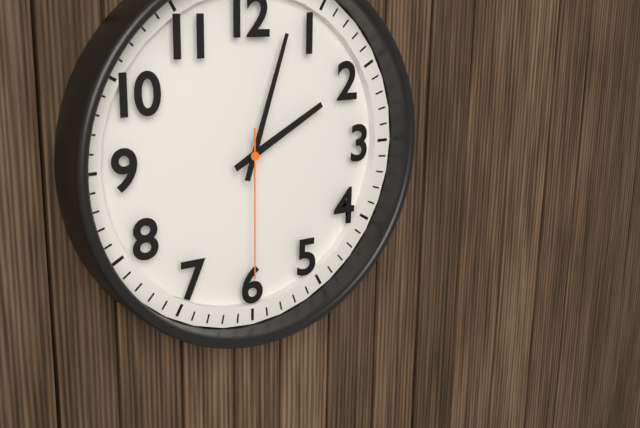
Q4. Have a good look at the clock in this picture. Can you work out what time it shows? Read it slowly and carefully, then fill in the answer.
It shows 2:03:30
